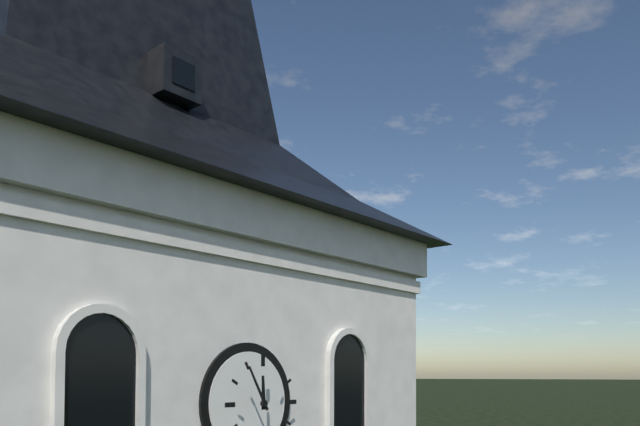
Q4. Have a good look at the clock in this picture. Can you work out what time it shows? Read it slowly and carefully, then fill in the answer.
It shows 11:55
